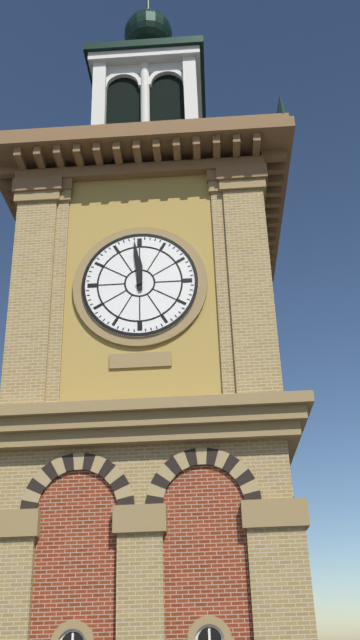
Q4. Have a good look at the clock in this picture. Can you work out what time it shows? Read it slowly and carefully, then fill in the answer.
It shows 11:59
